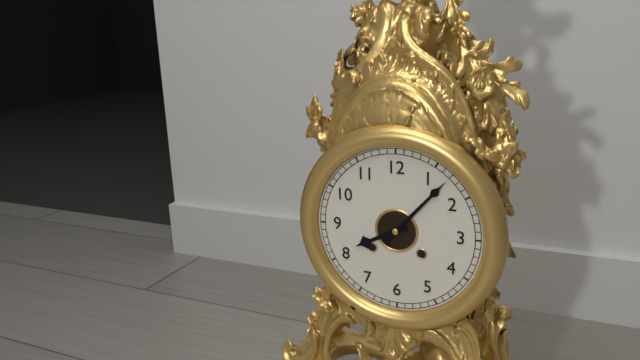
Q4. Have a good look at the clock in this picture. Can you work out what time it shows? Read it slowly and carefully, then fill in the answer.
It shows 8:07
